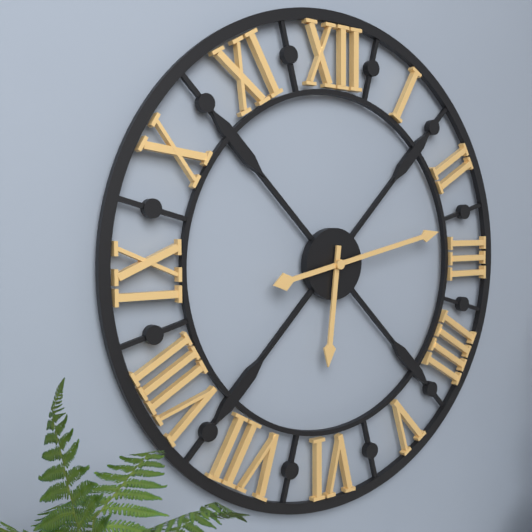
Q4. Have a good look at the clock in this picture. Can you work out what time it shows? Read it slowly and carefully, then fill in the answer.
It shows 6:13
